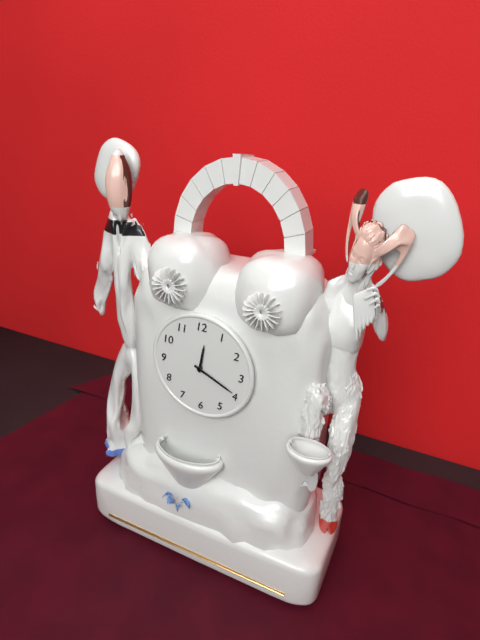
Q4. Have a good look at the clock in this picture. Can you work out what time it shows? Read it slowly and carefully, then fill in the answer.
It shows 12:19
